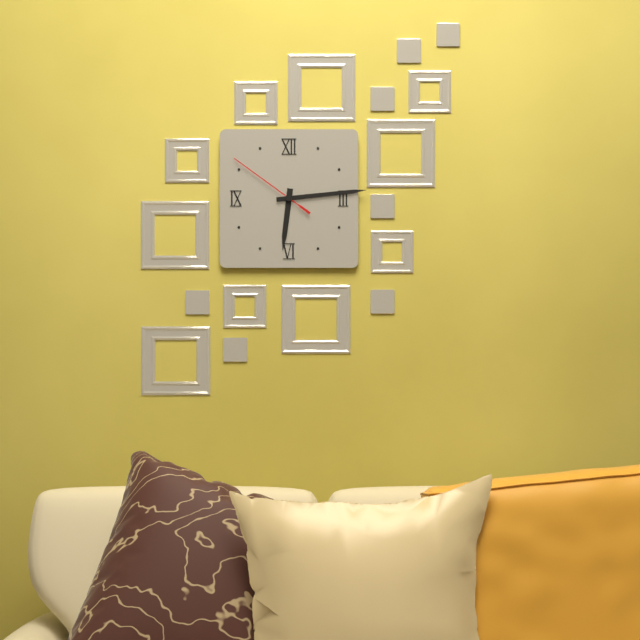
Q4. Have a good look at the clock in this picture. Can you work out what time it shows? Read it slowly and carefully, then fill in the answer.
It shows 6:14:51
